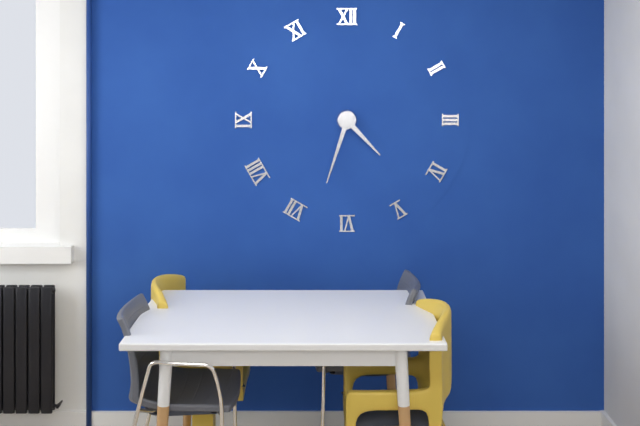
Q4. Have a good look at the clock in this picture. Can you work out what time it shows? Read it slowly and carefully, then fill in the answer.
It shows 4:33
